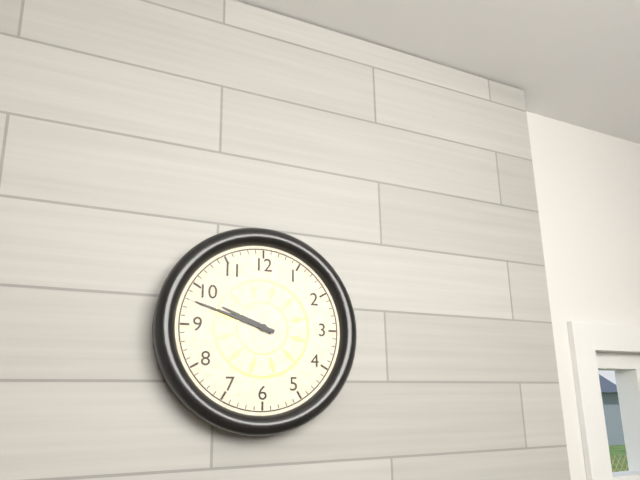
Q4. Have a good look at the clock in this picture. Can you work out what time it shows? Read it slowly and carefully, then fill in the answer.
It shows 9:48
